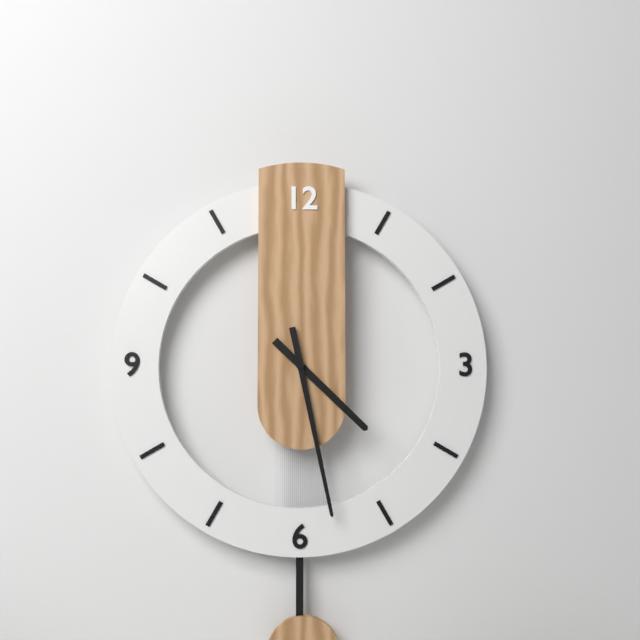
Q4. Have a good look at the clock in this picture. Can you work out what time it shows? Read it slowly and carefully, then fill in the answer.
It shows 4:28
